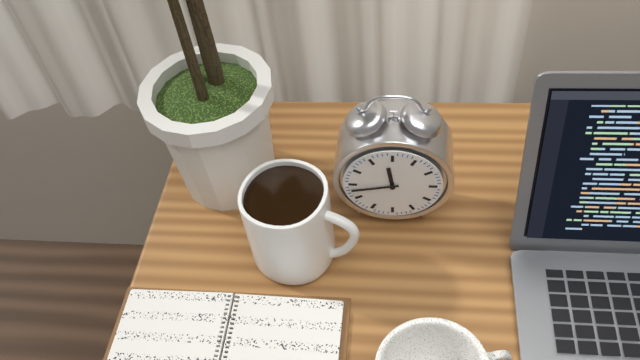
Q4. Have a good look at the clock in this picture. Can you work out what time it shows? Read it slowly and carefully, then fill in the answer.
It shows 11:43
